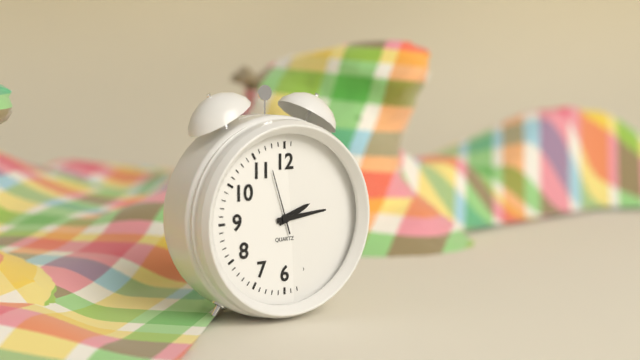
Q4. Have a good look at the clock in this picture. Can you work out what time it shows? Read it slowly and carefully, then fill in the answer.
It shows 2:14:57
